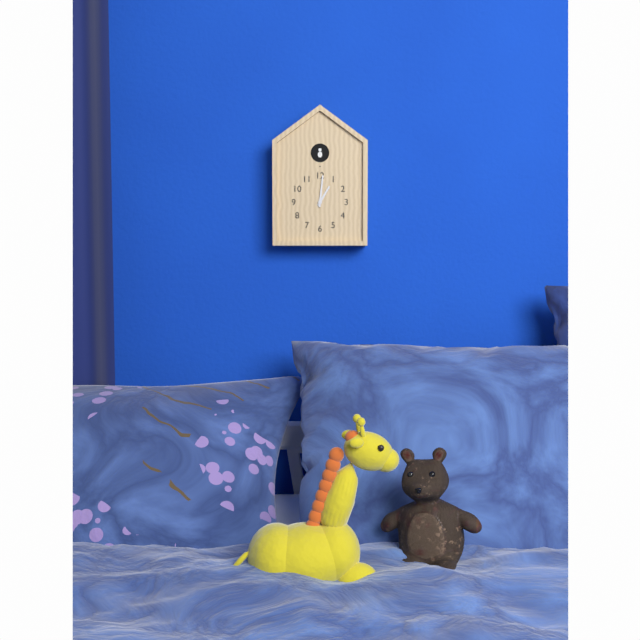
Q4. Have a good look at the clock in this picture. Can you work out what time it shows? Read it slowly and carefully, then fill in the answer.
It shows 1:01
